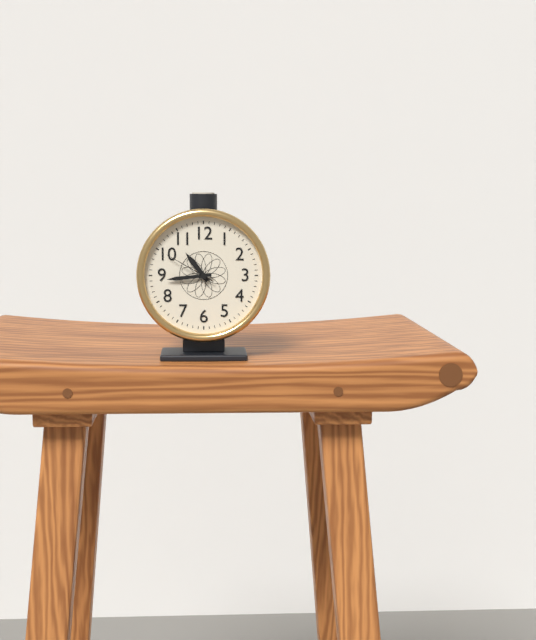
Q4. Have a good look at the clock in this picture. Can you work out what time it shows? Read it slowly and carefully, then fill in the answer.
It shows 10:44:50
